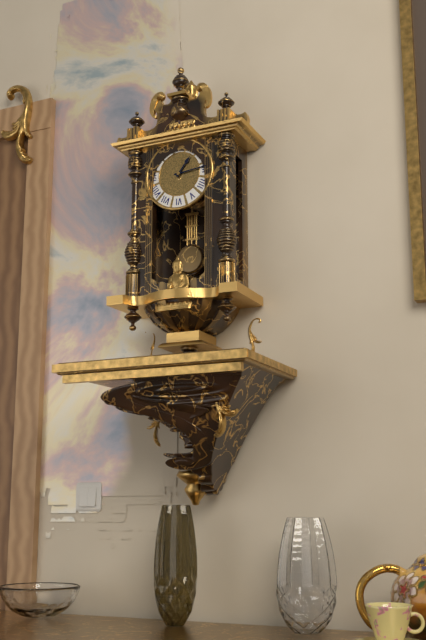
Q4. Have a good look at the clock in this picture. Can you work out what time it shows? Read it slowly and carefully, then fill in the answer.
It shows 1:14
